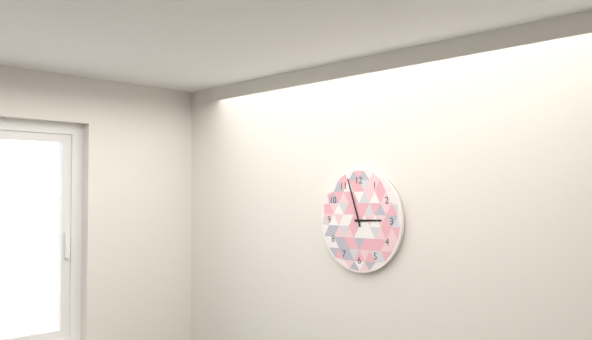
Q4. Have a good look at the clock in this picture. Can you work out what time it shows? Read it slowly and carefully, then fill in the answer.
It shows 2:57
